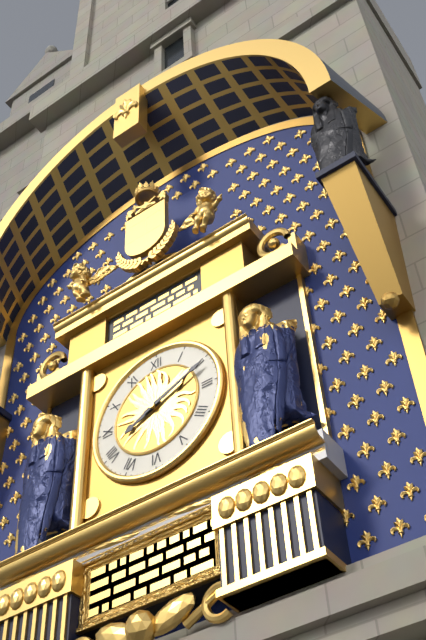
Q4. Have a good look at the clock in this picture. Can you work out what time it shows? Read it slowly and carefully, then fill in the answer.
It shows 8:11
